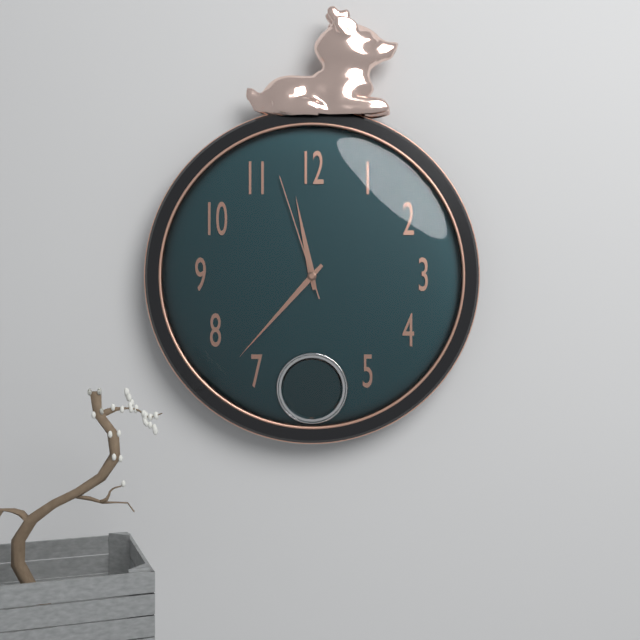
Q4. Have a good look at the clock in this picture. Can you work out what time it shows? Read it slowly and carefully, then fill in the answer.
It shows 11:37:57
